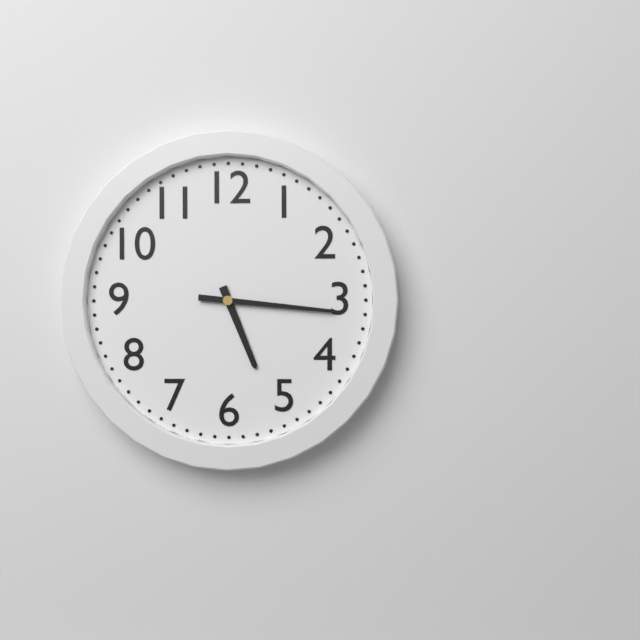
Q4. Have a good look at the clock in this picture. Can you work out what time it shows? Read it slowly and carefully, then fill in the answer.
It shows 5:16
